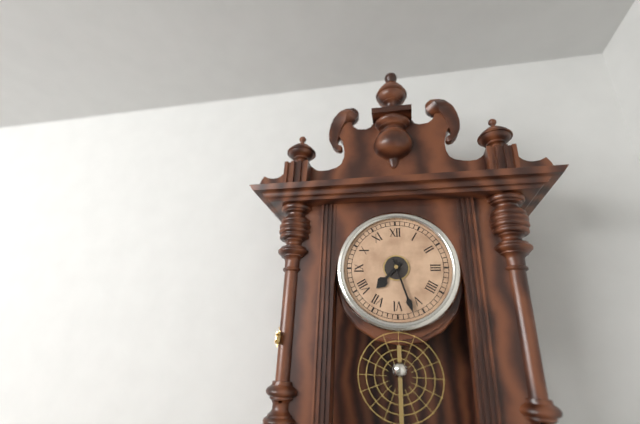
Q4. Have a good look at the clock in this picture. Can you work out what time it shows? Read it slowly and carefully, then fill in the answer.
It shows 7:27
